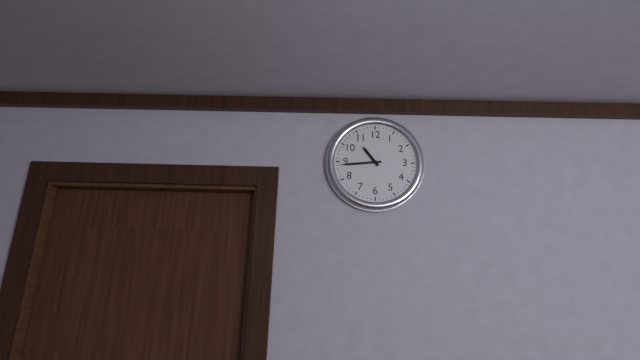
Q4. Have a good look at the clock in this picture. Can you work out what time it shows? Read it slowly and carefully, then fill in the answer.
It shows 10:44
